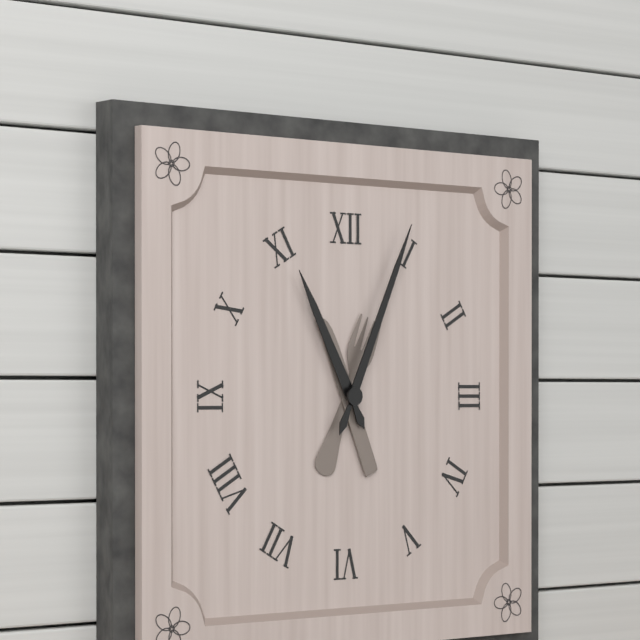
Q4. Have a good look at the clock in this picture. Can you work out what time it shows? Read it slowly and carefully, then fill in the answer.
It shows 11:04
